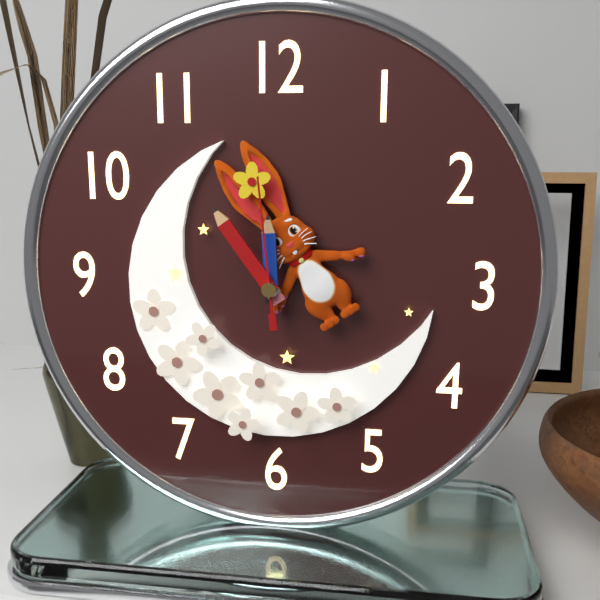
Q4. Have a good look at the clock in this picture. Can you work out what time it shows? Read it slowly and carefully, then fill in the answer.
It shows 11:54:59
